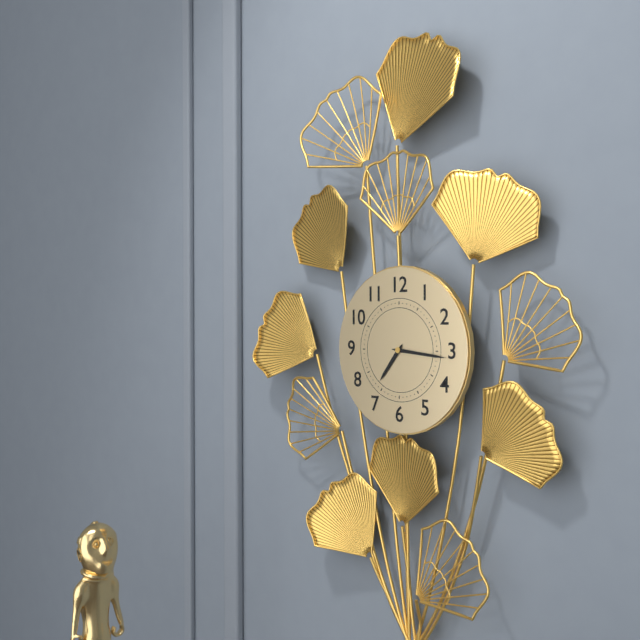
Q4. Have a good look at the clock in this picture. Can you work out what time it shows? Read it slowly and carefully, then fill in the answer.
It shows 7:16
